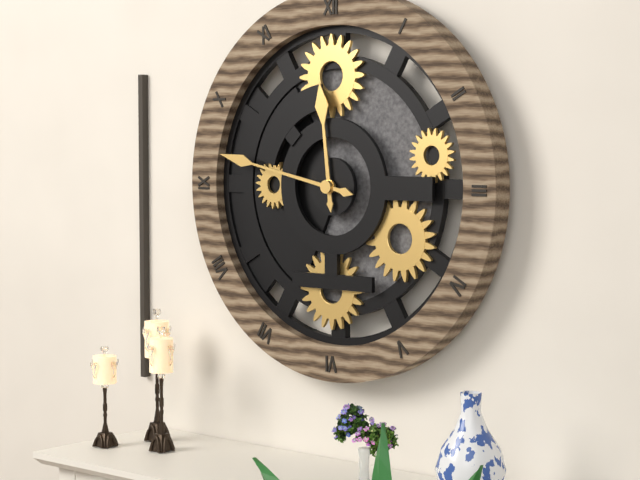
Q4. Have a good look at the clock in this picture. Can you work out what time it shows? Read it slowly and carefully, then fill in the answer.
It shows 11:47
